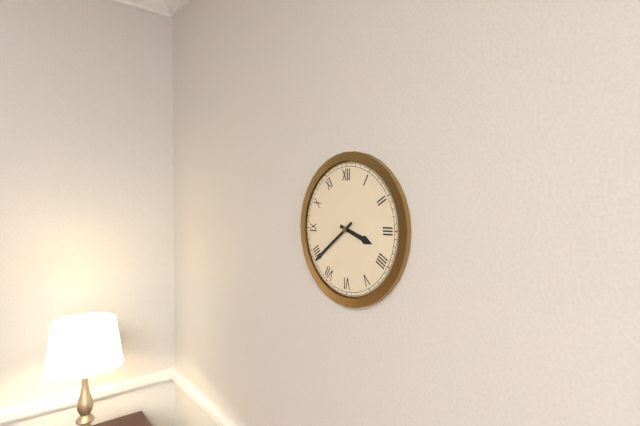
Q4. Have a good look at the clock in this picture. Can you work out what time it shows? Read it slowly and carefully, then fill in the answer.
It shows 3:39
